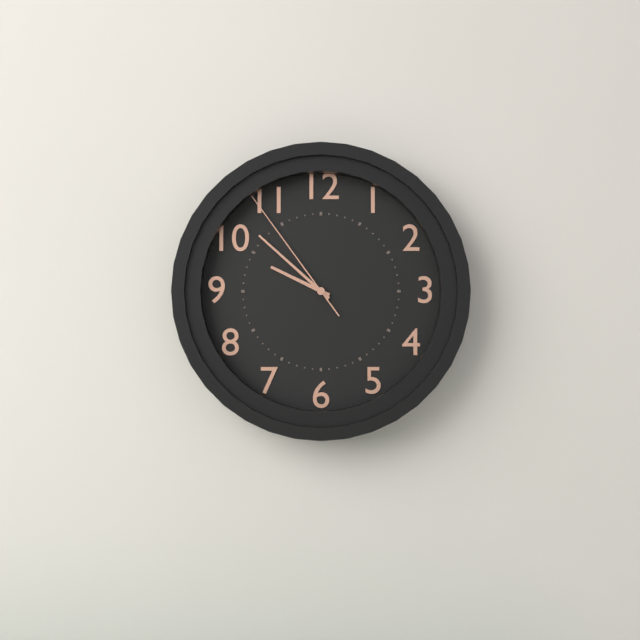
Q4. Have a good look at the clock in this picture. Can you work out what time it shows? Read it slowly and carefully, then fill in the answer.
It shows 9:52:54
